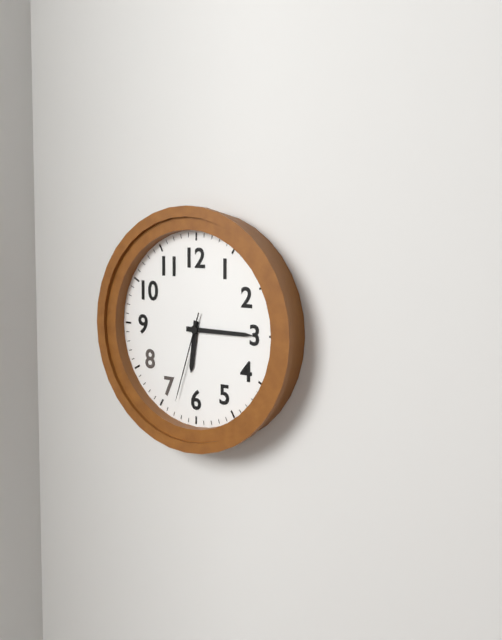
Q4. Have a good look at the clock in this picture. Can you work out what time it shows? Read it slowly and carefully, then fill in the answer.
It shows 6:15:33
